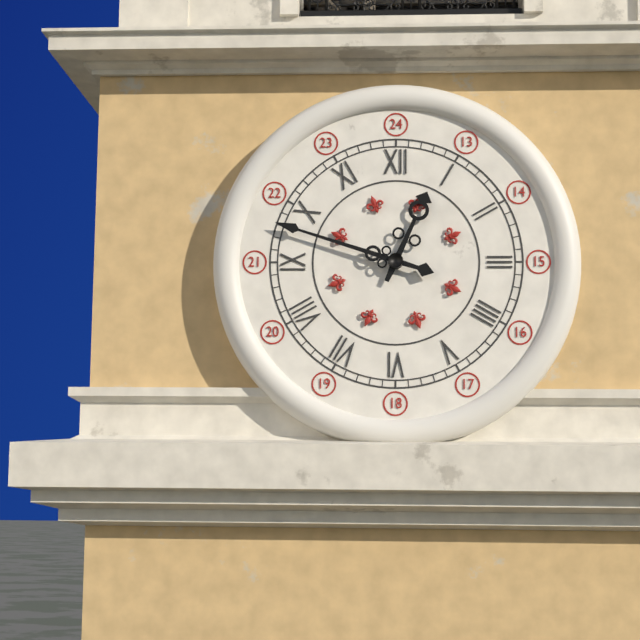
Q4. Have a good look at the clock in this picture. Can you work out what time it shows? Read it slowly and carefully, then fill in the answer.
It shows 12:48
